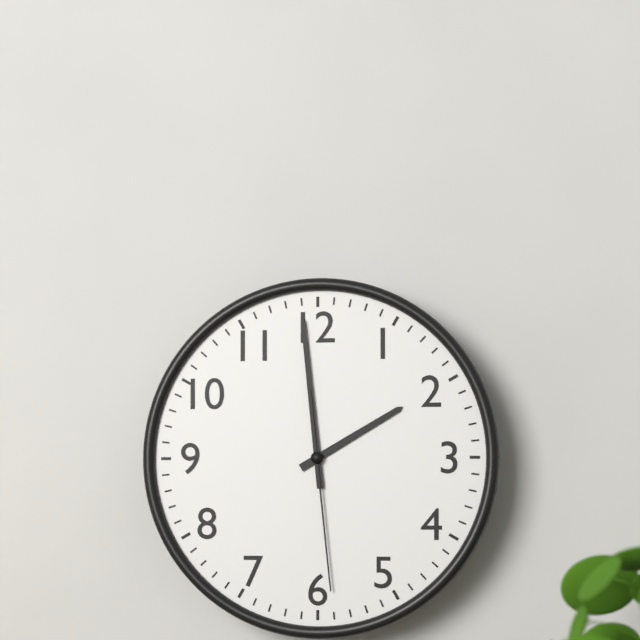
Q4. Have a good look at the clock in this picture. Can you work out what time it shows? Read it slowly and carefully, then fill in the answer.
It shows 1:59:29
